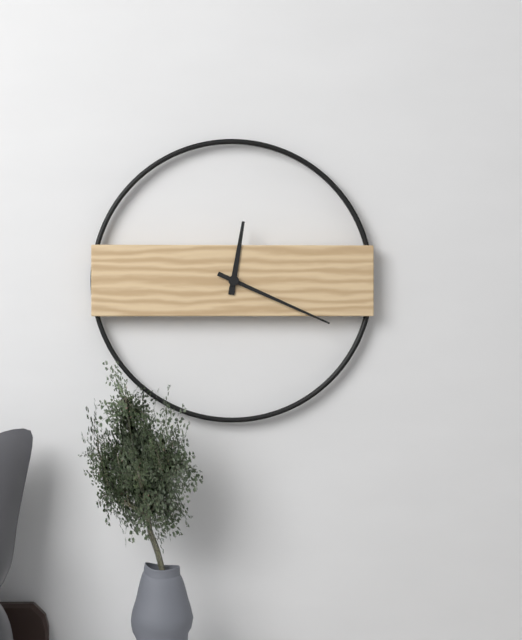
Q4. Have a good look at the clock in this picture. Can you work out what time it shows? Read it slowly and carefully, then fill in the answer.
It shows 12:19
